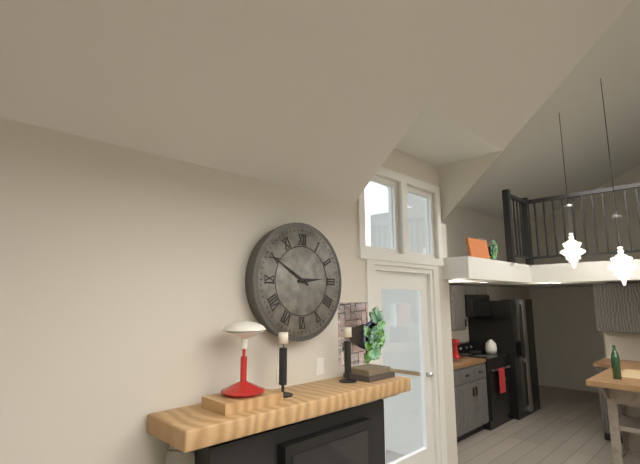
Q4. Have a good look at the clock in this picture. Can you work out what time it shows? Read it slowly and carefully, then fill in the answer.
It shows 2:50
